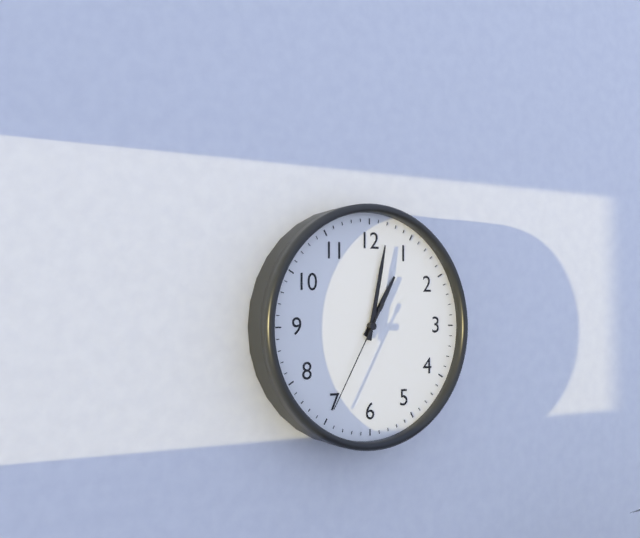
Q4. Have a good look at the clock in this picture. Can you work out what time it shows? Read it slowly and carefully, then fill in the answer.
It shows 1:02:35
